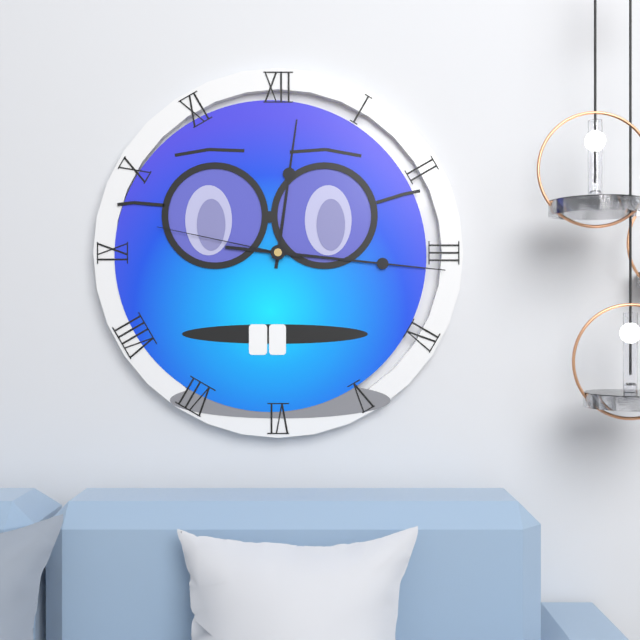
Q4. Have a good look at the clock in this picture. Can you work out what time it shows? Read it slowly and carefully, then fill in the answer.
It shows 12:16:47
